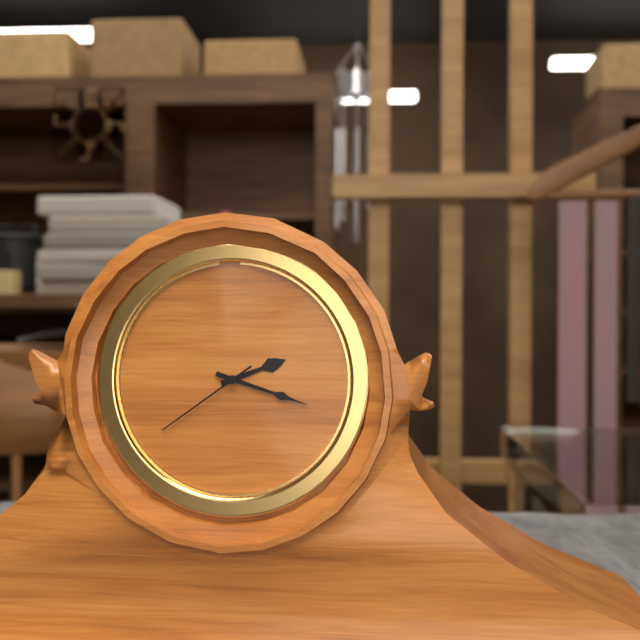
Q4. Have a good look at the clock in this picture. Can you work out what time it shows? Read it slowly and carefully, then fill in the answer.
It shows 2:18:39
